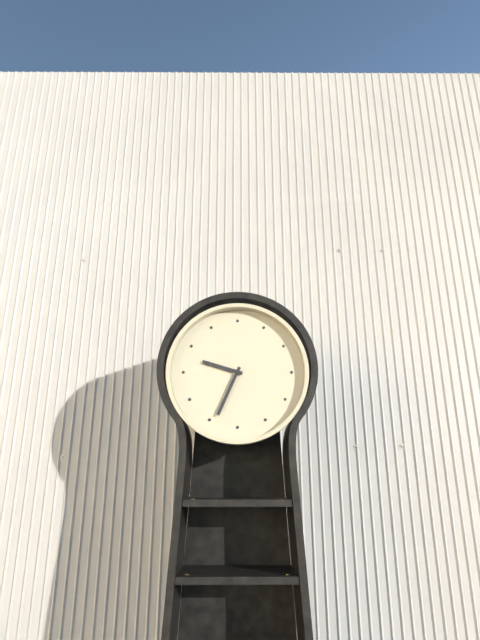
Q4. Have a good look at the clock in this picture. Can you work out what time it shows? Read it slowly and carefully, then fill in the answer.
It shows 9:34
